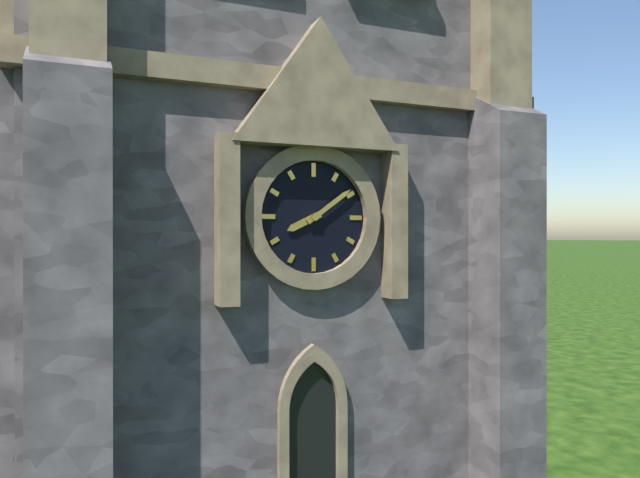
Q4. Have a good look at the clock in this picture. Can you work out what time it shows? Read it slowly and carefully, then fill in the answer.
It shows 8:09
